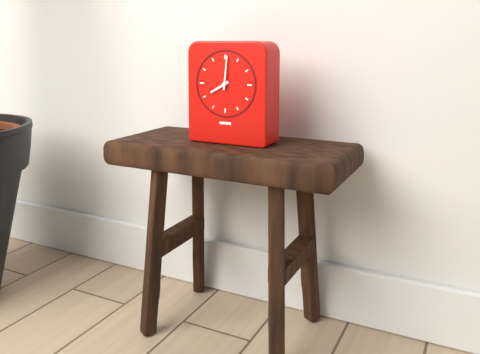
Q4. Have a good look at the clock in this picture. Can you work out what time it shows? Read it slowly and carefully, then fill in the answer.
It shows 8:01
